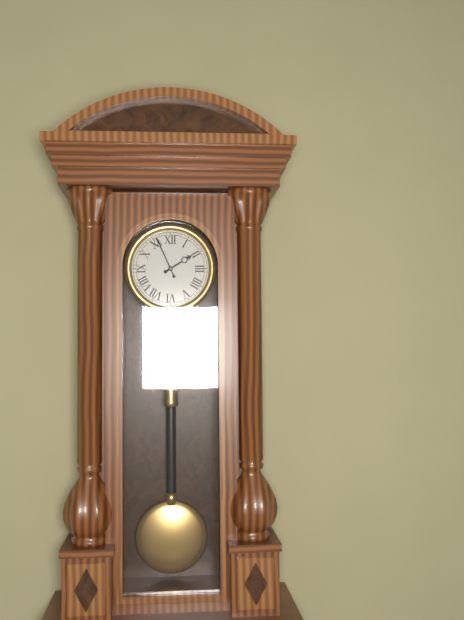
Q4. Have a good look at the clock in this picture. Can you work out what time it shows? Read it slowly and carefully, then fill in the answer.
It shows 1:56
